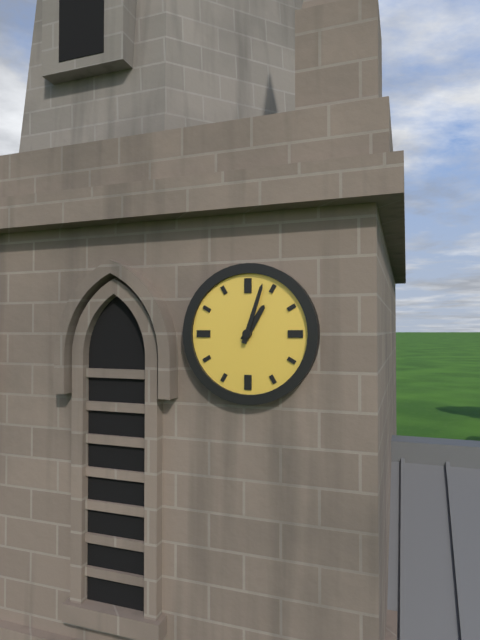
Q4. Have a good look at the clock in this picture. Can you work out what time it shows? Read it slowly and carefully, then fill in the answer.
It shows 1:03
